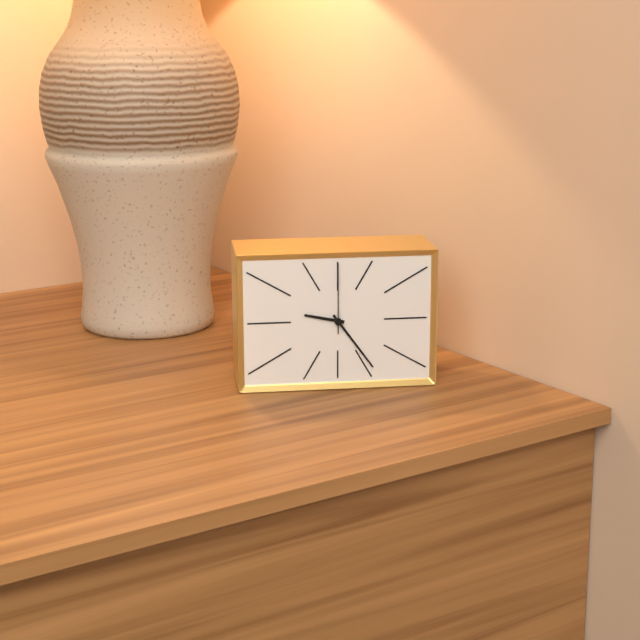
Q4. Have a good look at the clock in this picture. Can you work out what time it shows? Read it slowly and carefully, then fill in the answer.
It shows 9:24:00
